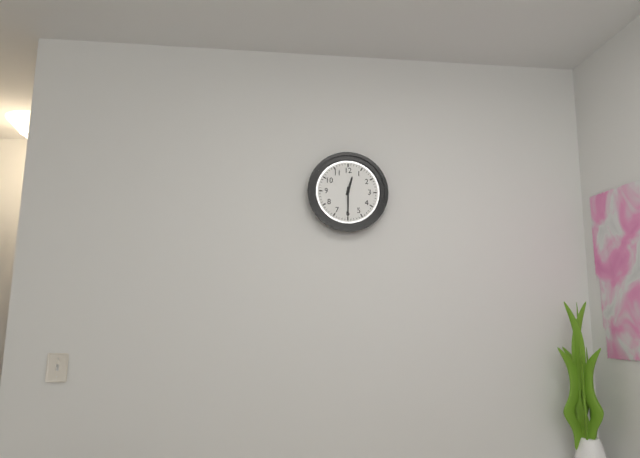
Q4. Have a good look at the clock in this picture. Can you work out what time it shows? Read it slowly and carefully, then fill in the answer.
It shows 12:30
